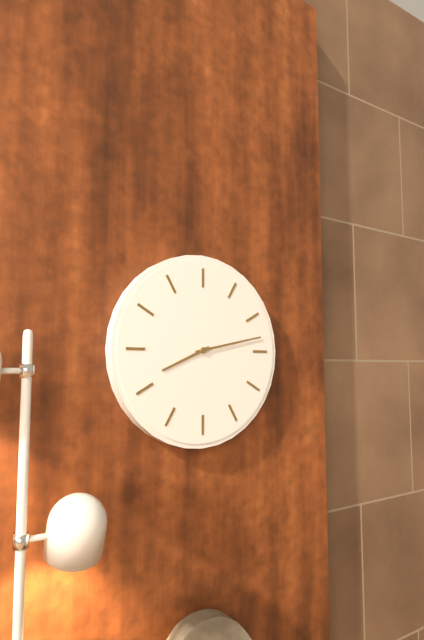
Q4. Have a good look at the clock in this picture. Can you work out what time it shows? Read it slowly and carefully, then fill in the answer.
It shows 8:13
